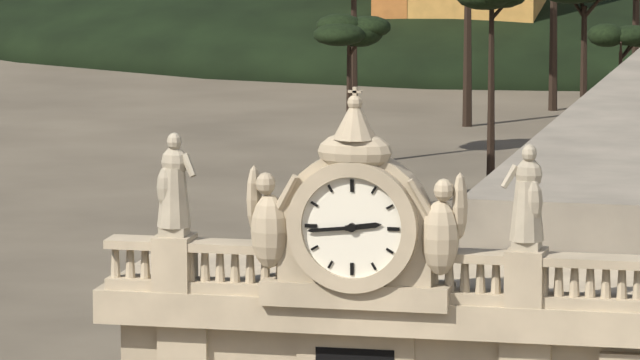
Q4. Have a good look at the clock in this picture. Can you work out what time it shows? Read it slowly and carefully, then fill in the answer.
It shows 2:44
